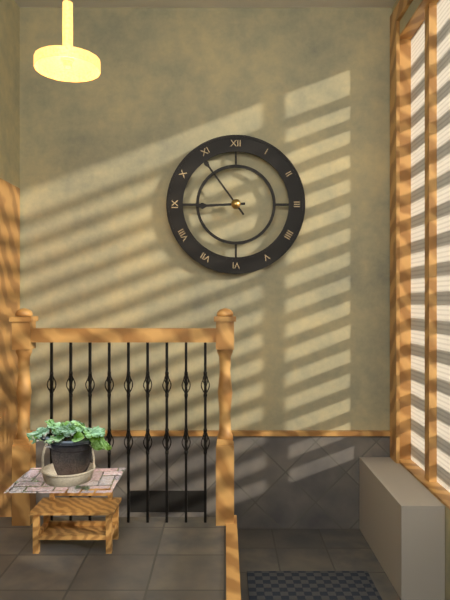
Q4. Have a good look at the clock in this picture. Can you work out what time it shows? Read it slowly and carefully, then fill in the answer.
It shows 8:54
